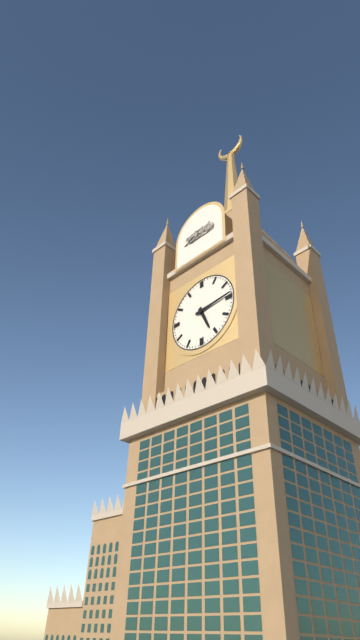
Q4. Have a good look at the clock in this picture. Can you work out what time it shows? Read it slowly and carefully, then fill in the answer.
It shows 5:14
